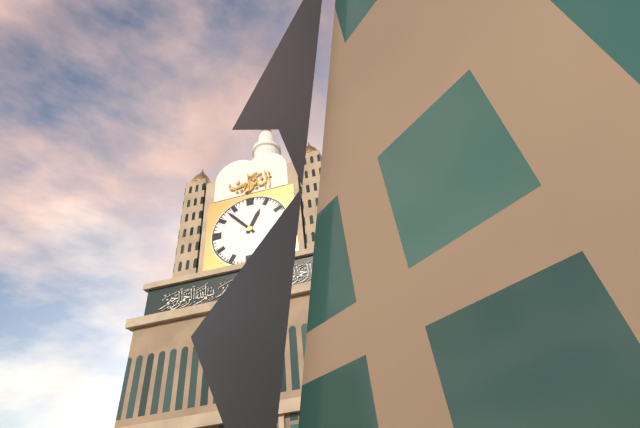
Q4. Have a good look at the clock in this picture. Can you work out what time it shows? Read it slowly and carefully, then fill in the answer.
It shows 12:53
